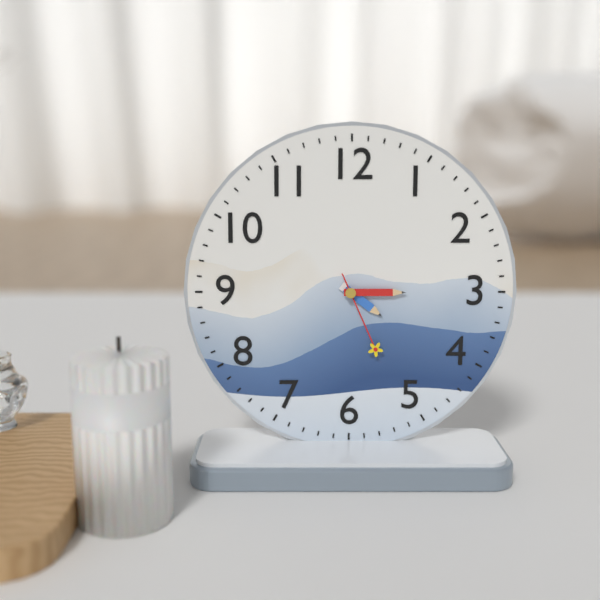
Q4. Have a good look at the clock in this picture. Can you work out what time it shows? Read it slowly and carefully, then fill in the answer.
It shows 4:15:26
